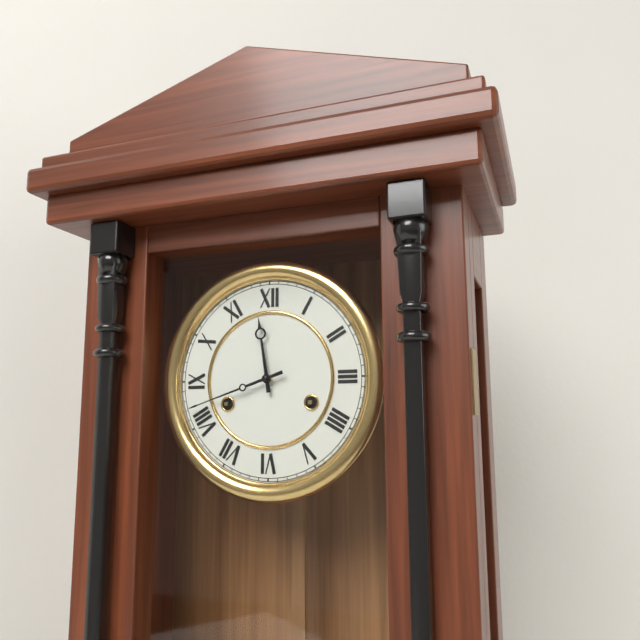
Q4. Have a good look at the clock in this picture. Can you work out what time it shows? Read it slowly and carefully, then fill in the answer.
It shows 11:42
